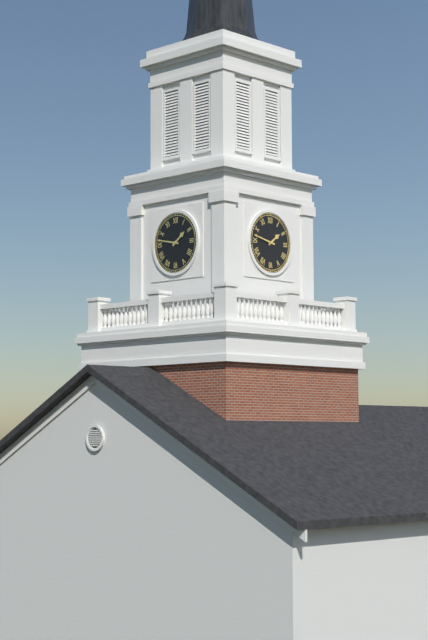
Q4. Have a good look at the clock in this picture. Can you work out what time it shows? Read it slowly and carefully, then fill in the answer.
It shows 1:47
